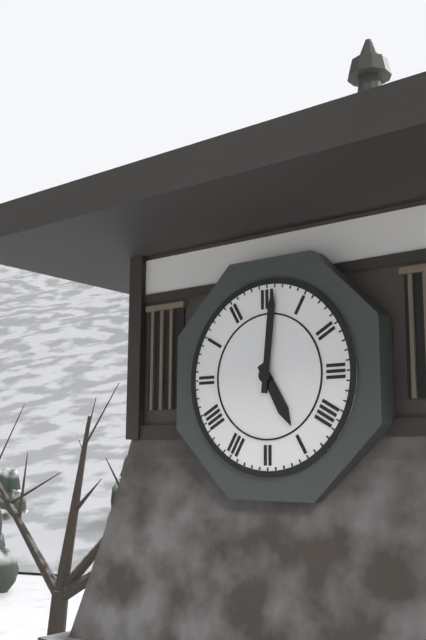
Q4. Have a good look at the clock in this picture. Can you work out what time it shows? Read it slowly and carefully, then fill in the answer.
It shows 5:01
